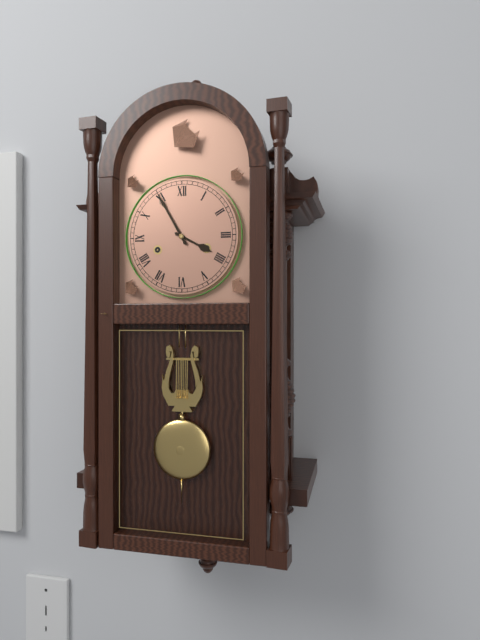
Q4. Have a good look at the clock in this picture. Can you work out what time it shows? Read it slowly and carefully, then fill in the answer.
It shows 3:55
